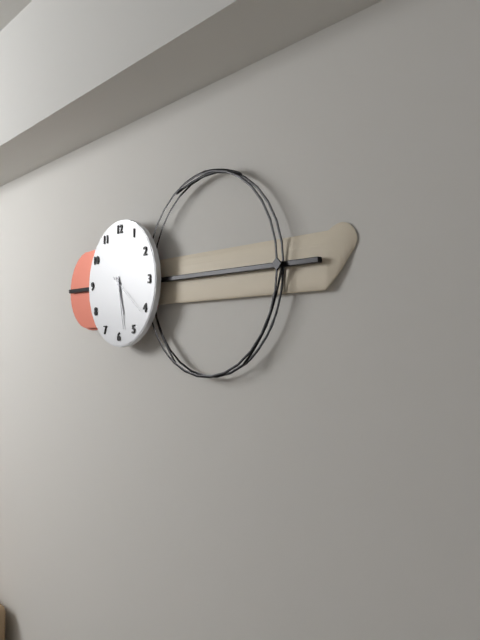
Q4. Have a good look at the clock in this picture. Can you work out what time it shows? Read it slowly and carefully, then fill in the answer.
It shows 5:28
